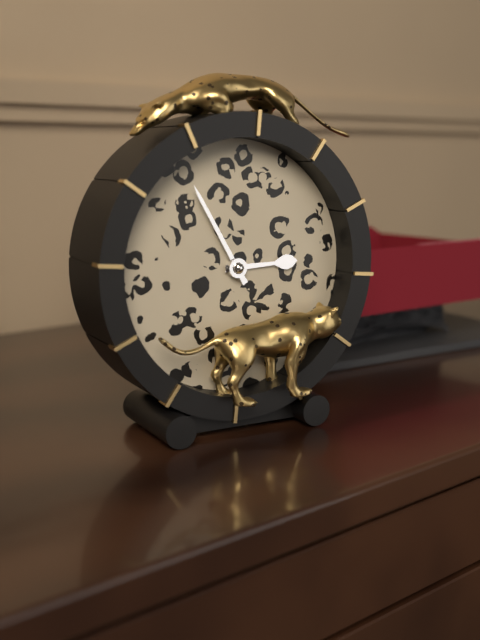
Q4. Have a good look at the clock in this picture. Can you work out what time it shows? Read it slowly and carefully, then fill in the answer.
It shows 2:55
